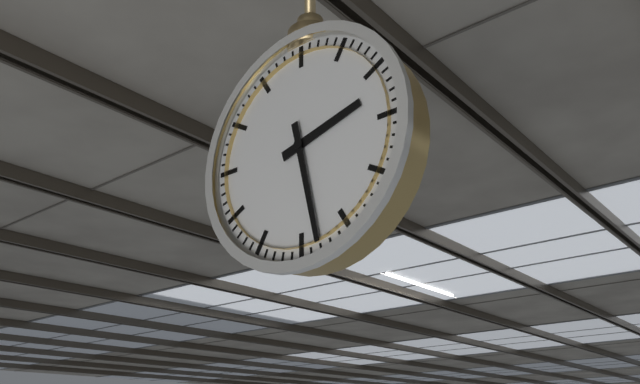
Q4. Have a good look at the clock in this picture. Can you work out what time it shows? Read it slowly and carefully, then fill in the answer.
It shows 2:28
